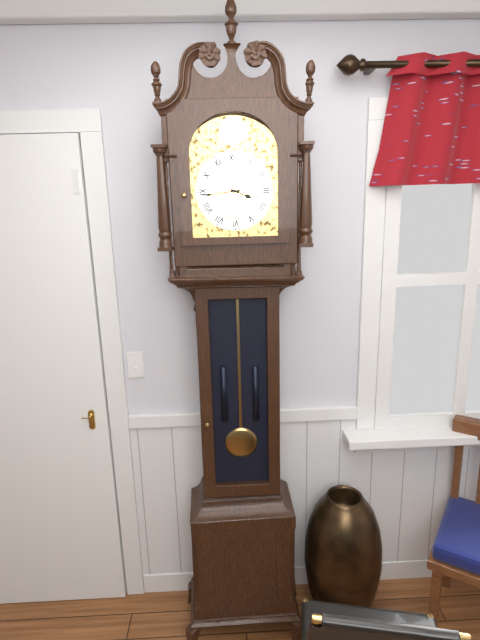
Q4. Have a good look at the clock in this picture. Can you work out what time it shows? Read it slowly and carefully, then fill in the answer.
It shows 3:44
